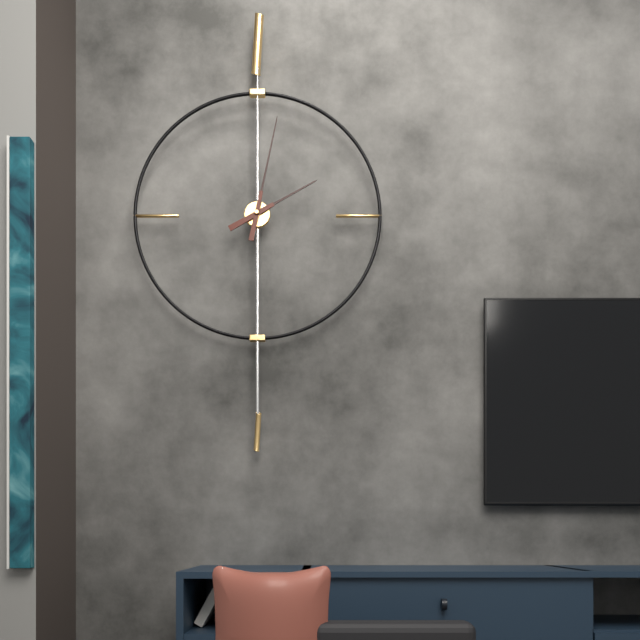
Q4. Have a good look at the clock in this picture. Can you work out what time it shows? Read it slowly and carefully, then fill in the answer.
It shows 2:02
